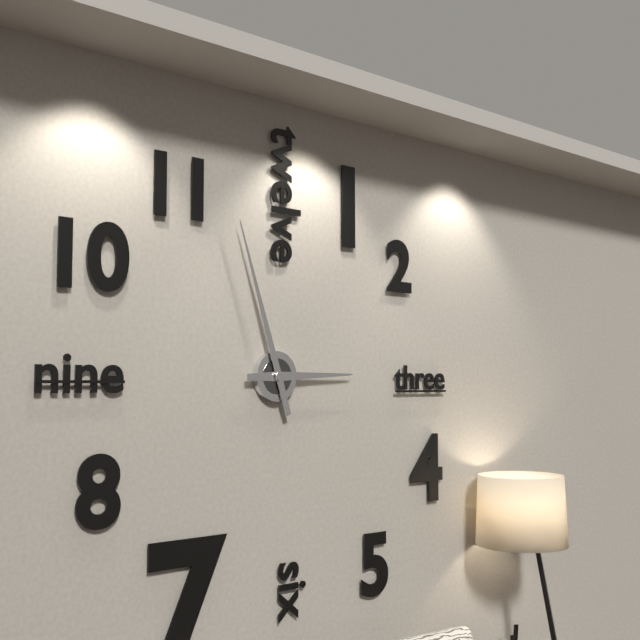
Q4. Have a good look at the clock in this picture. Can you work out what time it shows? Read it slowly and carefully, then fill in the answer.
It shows 2:57
